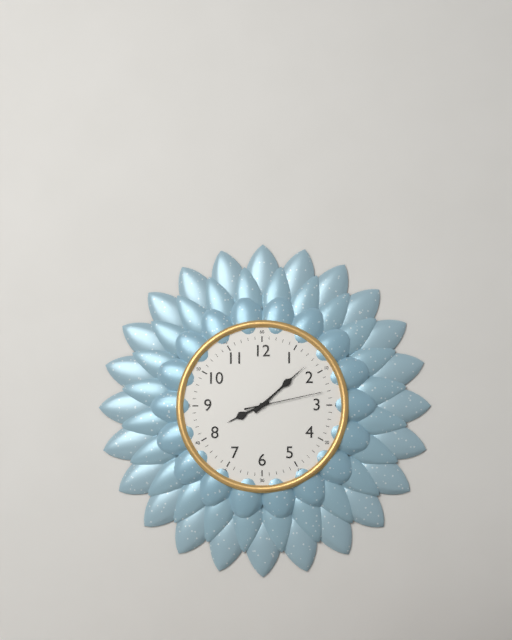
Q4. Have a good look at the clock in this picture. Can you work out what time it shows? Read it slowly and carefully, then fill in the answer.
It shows 8:08:13
